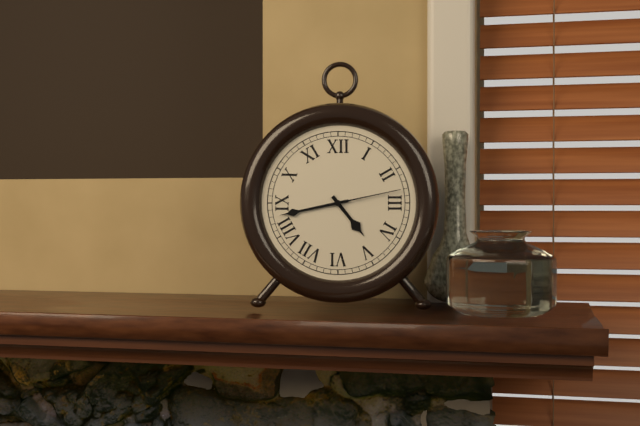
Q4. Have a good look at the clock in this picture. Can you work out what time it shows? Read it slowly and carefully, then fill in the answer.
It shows 4:43:13
